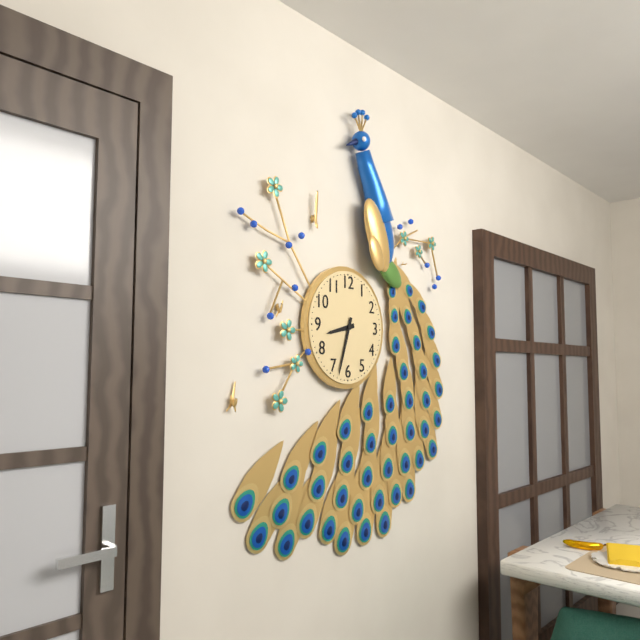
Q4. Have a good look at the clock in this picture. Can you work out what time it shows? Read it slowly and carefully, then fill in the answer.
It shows 8:33
